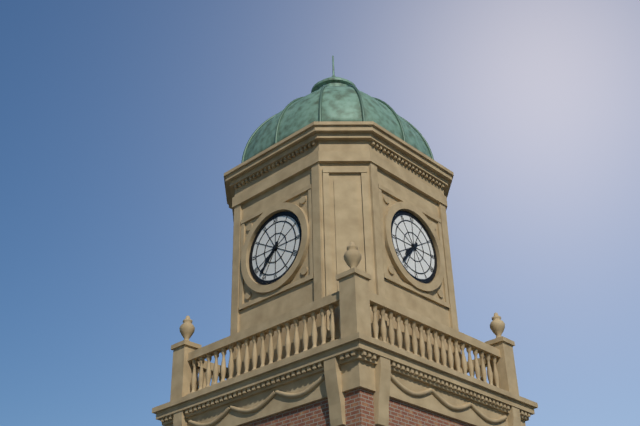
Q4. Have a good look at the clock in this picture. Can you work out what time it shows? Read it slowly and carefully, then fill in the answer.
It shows 7:37
